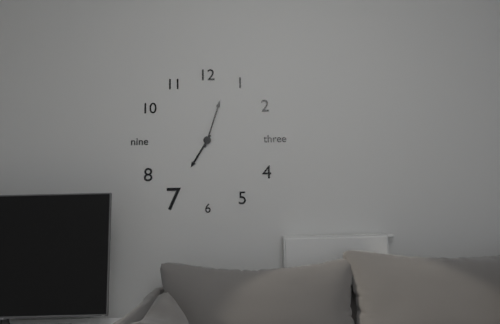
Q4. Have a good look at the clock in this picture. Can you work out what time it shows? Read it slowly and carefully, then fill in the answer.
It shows 7:03
